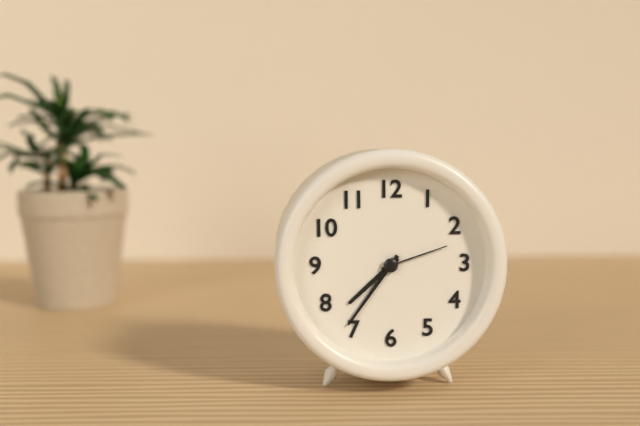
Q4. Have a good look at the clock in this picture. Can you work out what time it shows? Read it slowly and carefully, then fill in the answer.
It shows 7:36:12
